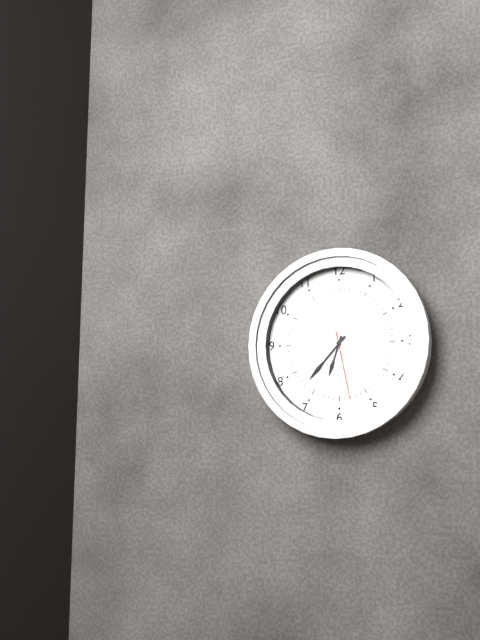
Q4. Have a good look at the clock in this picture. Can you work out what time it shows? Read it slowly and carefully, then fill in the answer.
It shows 6:37:28
